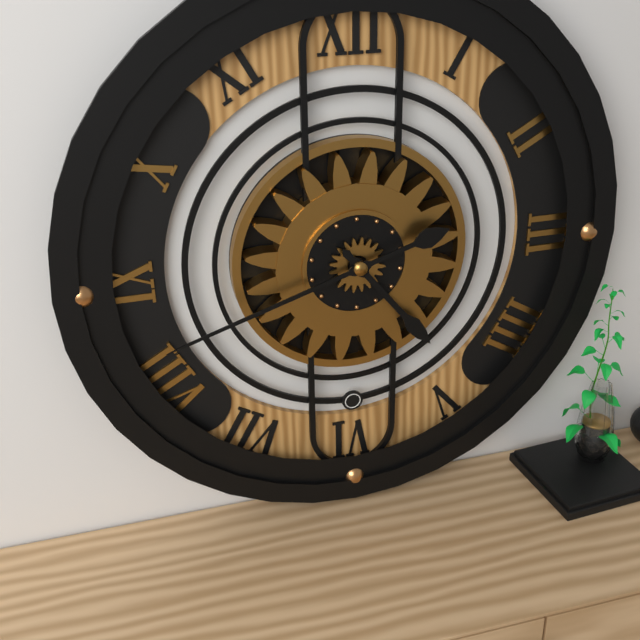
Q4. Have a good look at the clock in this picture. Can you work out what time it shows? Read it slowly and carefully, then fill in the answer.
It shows 4:42
